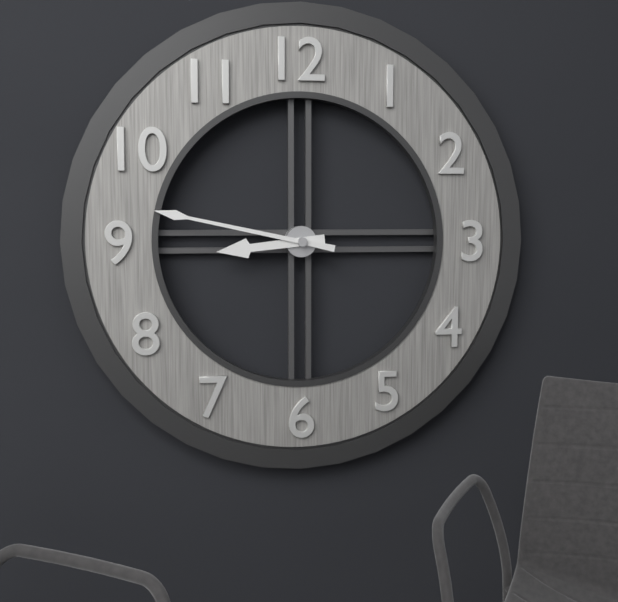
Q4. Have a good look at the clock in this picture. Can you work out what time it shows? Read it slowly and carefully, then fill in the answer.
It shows 8:47
